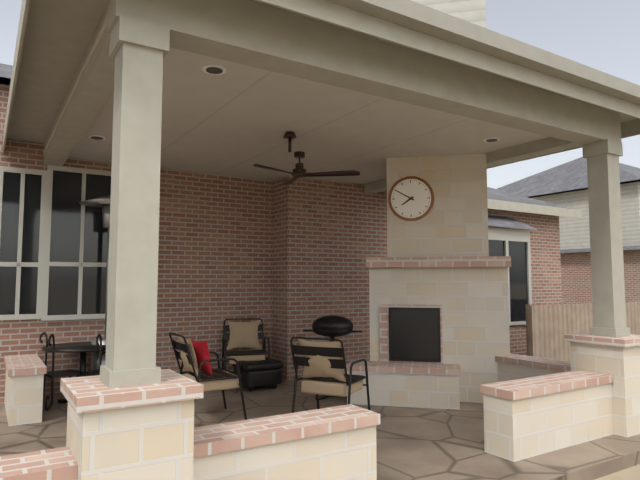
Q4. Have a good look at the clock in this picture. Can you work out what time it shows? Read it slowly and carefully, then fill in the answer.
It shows 7:50
